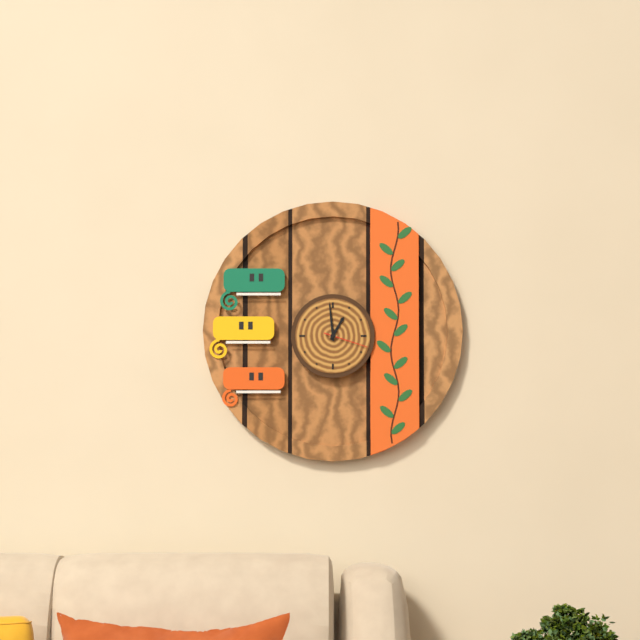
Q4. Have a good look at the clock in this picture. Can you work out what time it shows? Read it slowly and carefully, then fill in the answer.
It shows 12:59
